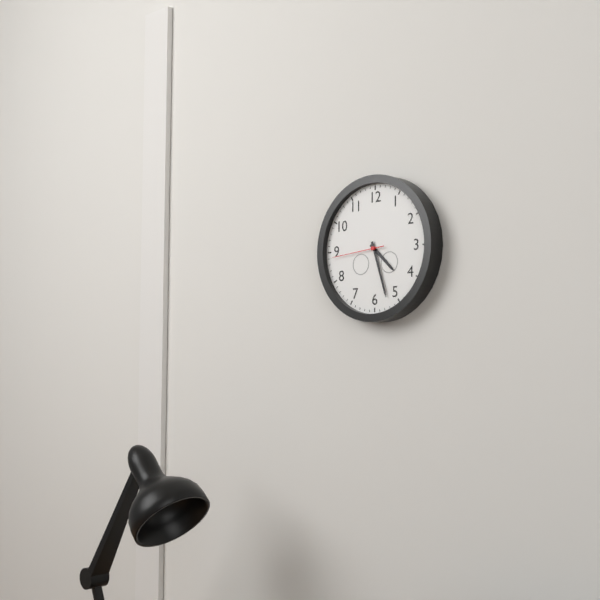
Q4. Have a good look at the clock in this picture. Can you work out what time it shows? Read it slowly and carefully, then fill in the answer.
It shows 4:27:44
